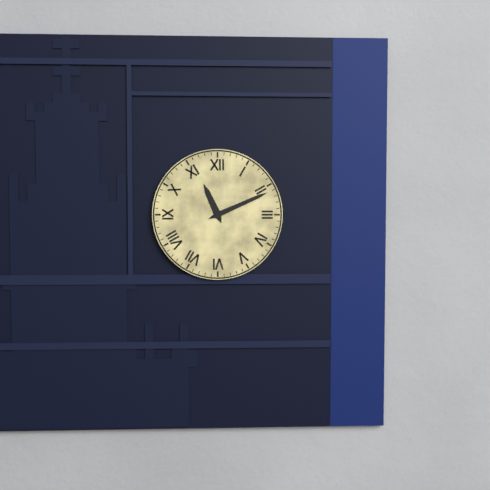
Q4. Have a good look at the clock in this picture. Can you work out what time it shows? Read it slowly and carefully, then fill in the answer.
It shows 11:11
